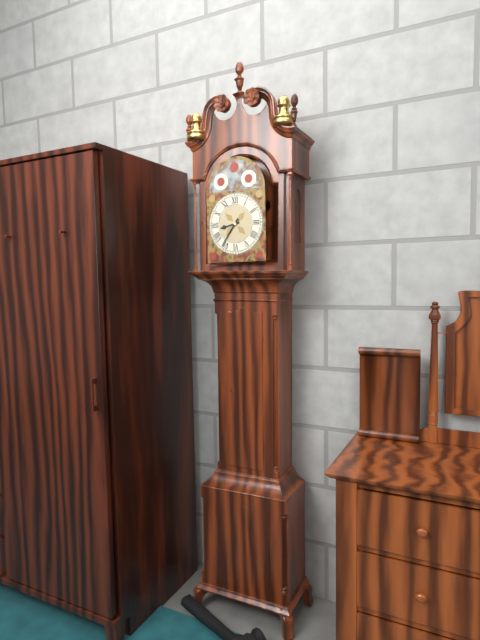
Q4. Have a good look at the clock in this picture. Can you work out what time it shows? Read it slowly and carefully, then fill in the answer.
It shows 8:36
